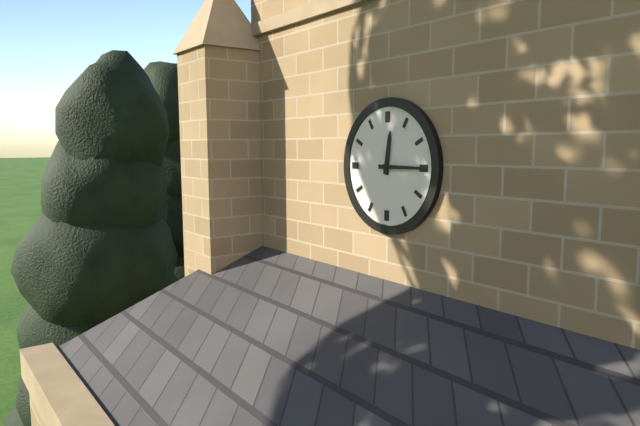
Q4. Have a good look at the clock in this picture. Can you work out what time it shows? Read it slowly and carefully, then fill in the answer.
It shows 12:15
